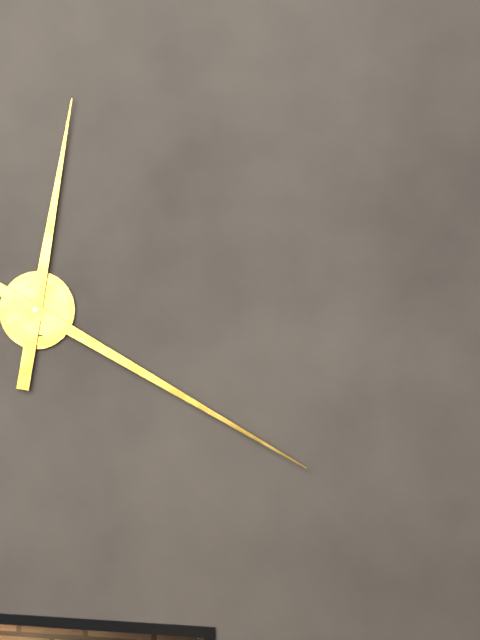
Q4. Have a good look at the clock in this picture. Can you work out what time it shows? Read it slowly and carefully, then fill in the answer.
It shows 12:20
